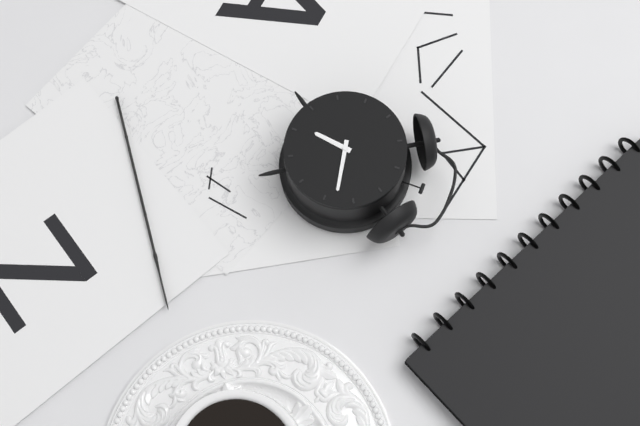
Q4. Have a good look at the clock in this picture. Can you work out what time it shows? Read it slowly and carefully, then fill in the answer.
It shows 6:13
